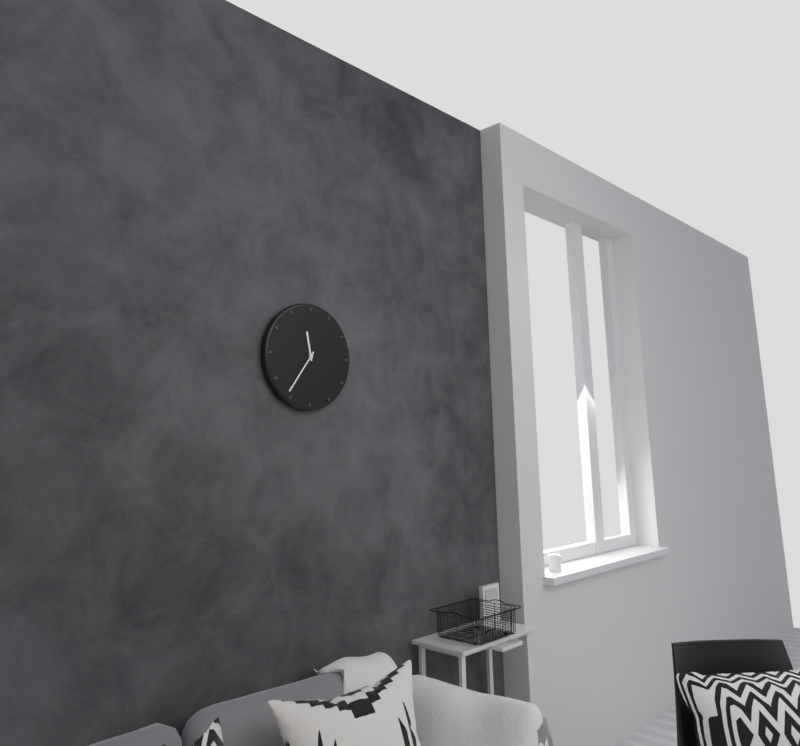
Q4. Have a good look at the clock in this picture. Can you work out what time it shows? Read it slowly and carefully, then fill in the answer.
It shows 11:36
